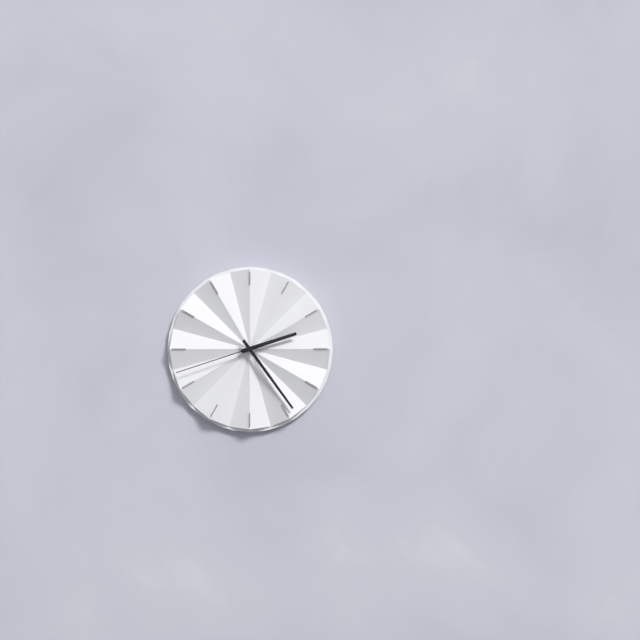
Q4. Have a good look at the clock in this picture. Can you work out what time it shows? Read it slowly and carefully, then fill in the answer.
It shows 2:24:42
